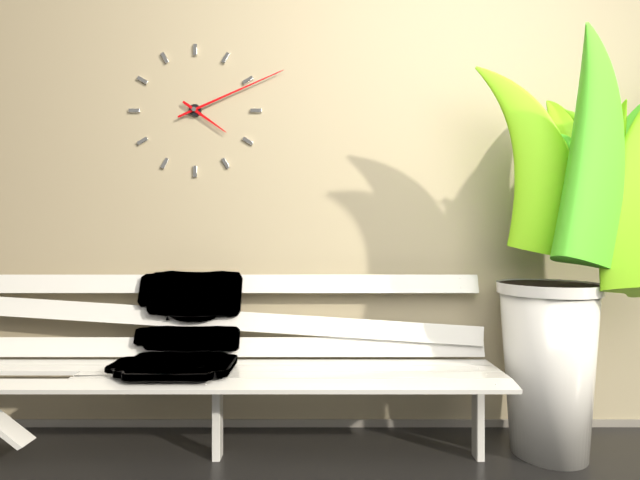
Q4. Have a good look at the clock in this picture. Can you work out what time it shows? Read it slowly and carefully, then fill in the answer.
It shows 4:11
